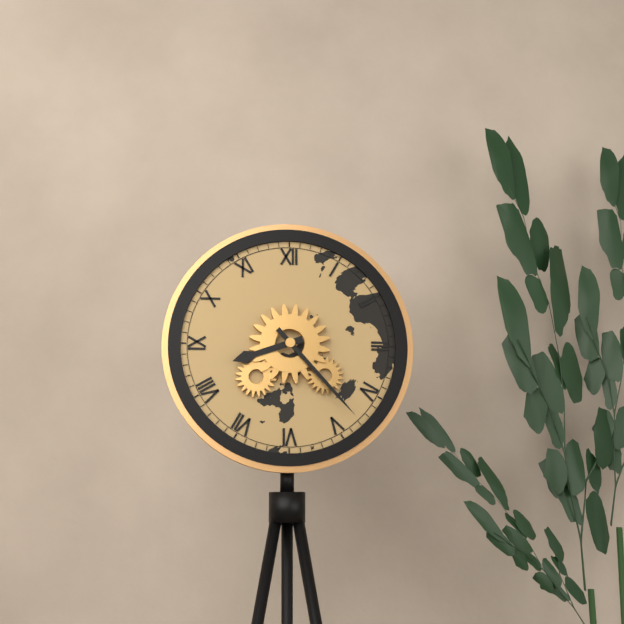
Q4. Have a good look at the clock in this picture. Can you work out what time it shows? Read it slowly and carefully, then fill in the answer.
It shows 8:23
